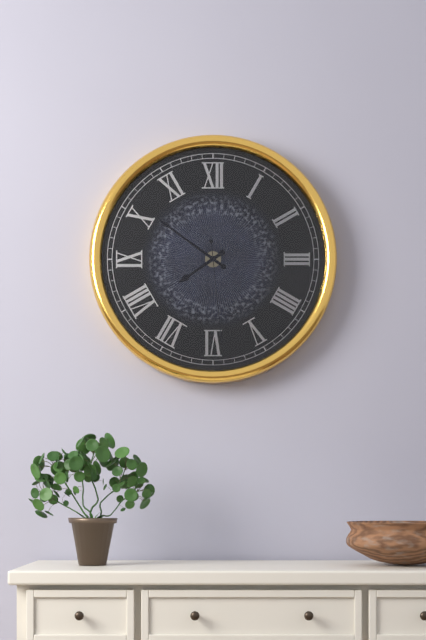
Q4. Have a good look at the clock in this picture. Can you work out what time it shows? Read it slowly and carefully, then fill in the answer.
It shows 7:51:29
